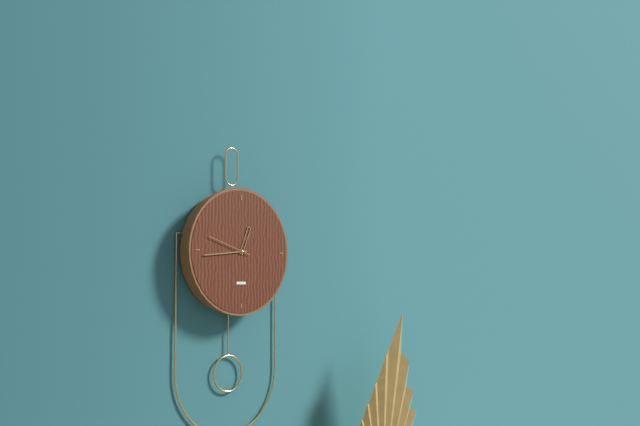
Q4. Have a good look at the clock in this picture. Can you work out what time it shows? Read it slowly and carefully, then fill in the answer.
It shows 12:44
